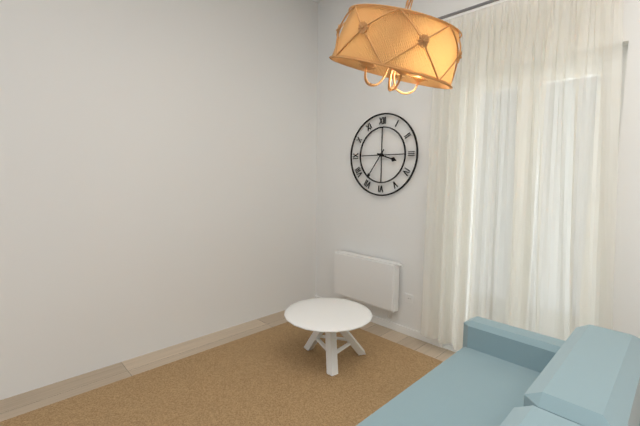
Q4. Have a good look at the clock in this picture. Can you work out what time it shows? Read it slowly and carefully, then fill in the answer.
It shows 3:36
